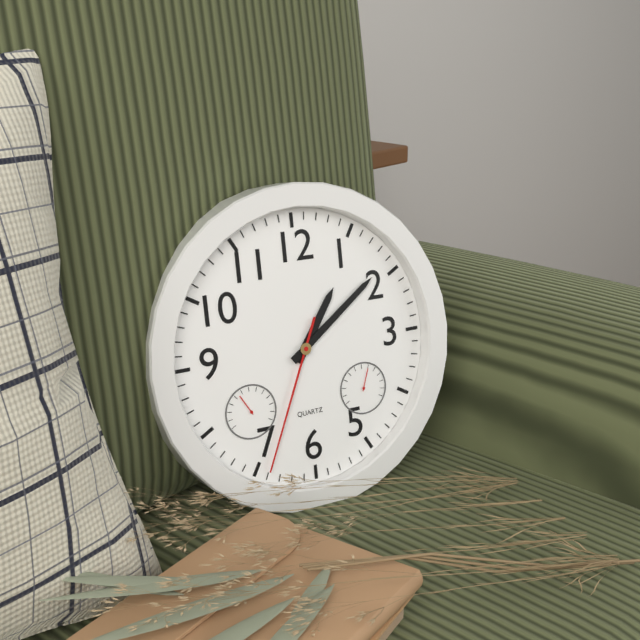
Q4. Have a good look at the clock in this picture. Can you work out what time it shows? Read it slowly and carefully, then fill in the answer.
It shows 1:09:34
